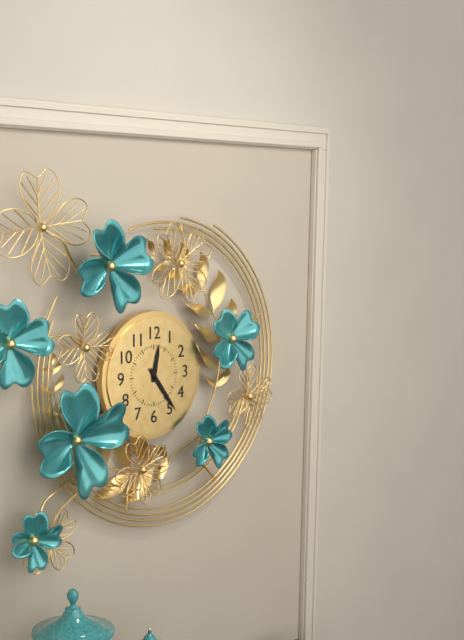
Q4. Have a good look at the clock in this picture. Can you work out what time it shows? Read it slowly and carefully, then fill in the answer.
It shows 12:24
